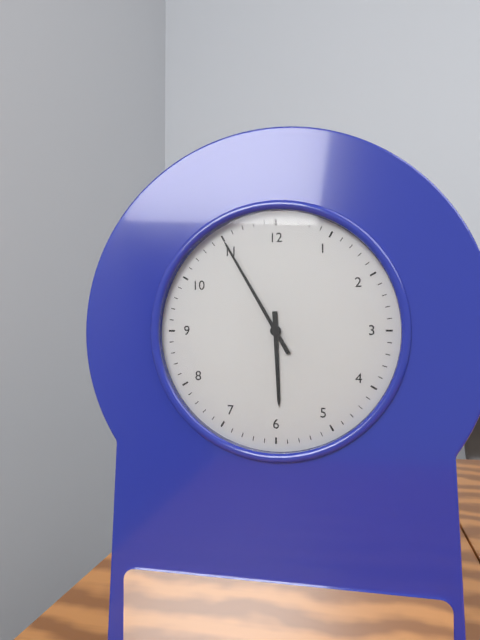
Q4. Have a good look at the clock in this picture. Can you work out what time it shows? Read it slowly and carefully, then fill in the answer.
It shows 5:55
